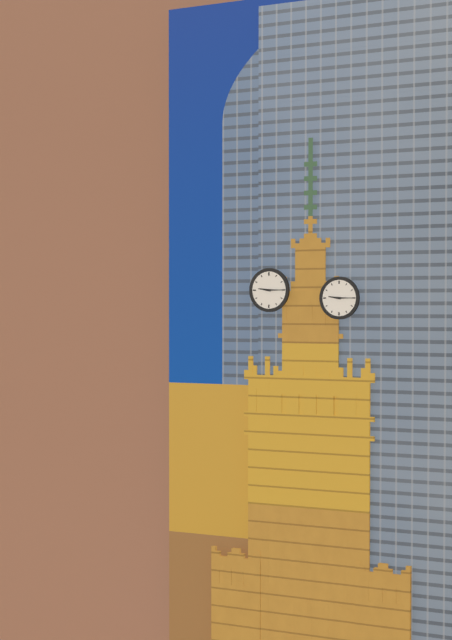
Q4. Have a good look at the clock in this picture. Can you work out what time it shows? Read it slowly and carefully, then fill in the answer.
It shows 9:15
